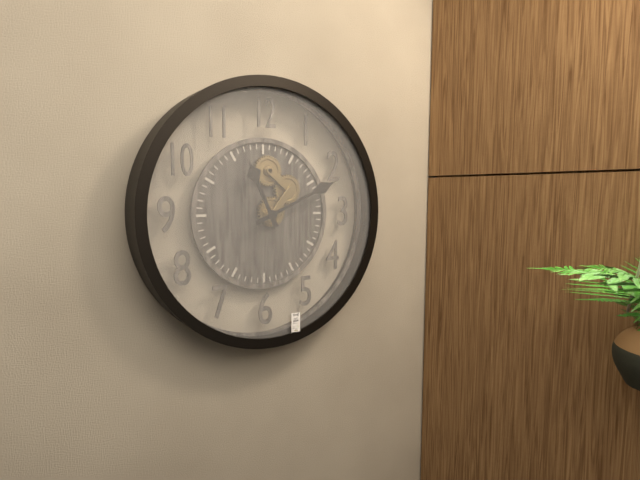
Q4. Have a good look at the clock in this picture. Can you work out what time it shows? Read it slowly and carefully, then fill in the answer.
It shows 11:11
